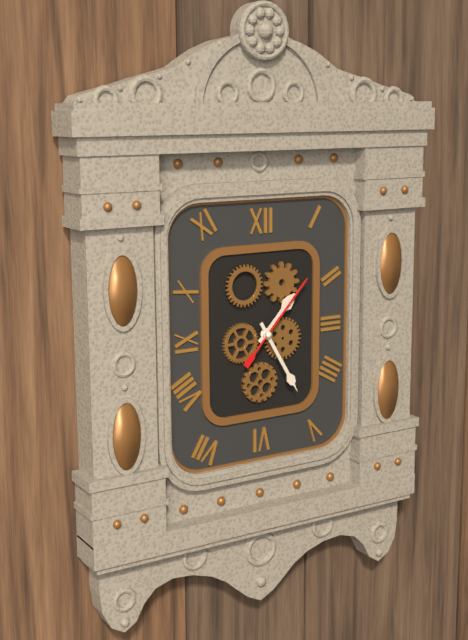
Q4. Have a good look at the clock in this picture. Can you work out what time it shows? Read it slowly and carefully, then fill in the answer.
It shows 1:25:07
